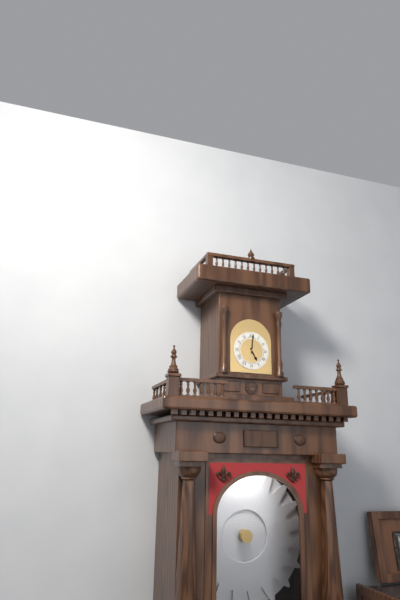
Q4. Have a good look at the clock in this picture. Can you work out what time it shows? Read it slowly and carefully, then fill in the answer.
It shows 5:01
